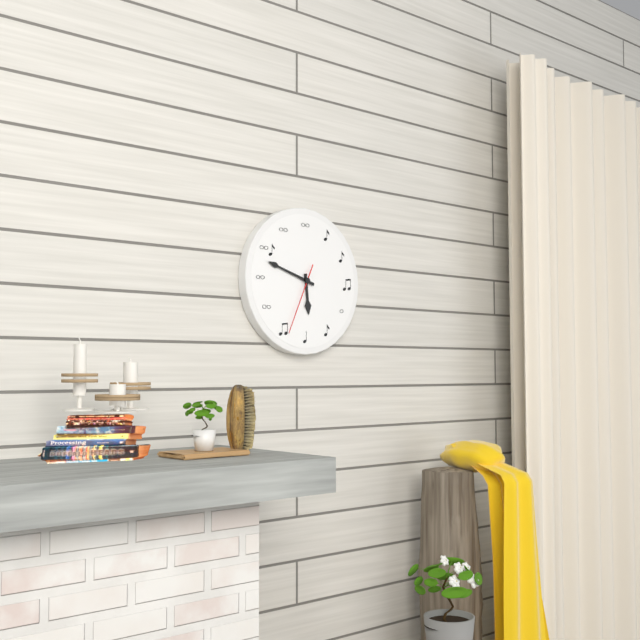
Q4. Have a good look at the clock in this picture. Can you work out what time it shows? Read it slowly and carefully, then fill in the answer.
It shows 5:48:34
